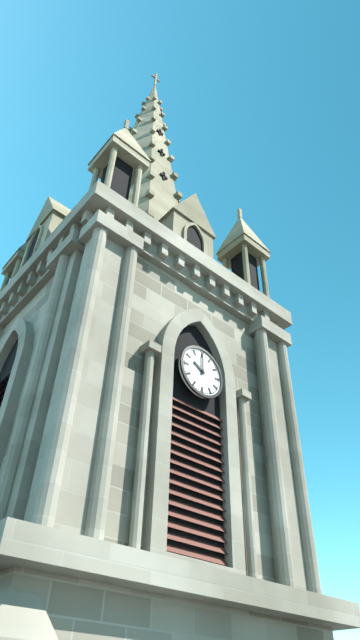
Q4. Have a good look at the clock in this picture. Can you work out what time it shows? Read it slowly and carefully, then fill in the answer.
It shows 10:00
